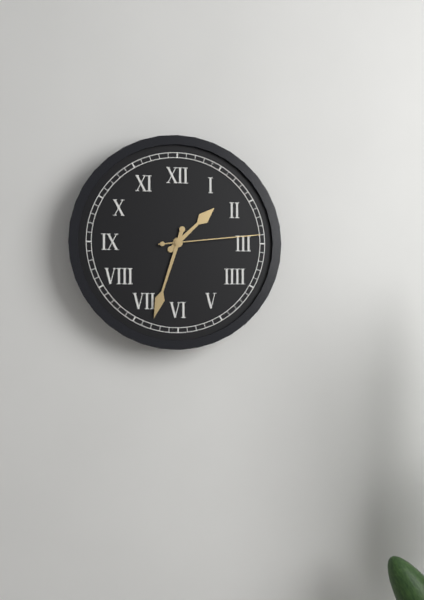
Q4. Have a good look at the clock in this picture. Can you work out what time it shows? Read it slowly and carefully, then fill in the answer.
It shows 1:33:14
